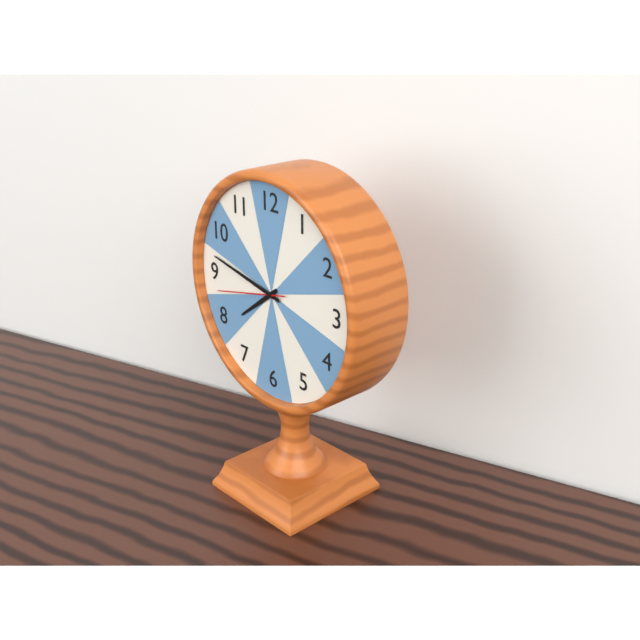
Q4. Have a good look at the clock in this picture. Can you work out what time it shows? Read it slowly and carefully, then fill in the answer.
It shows 7:47:43
